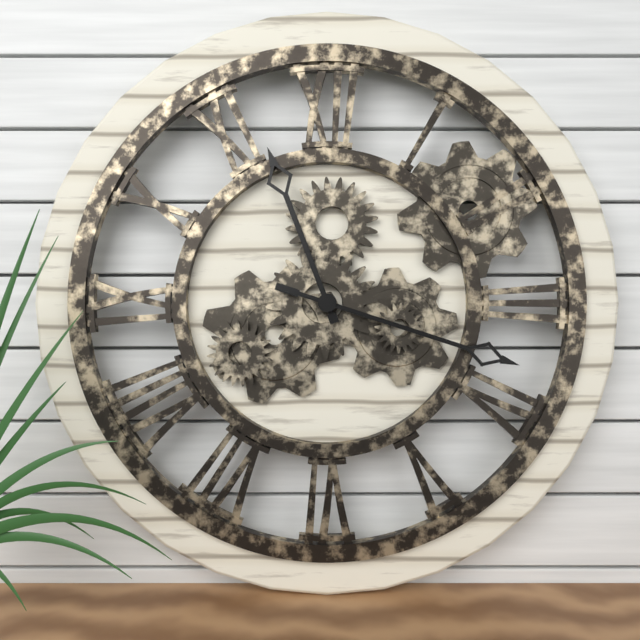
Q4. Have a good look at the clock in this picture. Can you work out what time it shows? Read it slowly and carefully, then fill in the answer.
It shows 11:18
